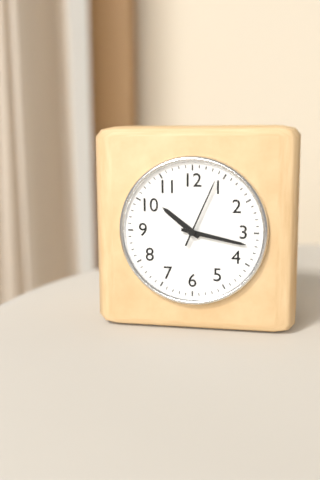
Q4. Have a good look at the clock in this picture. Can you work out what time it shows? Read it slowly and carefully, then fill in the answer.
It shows 10:17:04
